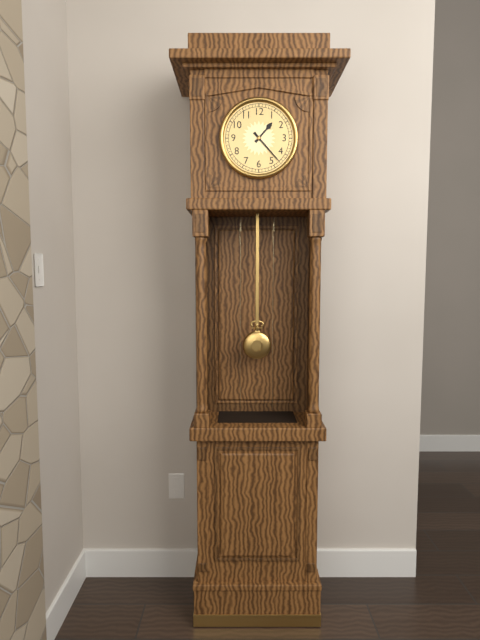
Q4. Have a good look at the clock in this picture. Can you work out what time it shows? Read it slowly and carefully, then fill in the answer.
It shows 1:23
